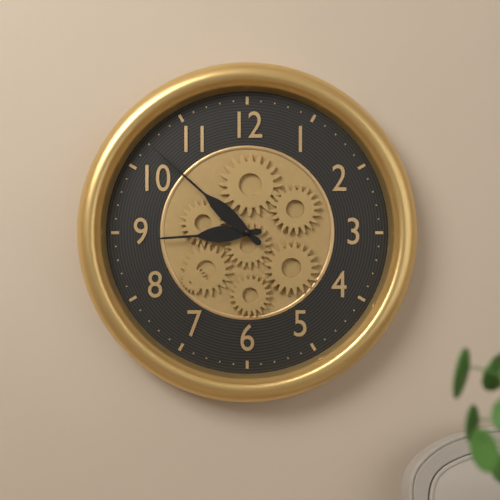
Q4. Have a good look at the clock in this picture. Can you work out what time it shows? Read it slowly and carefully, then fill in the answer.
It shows 8:52
